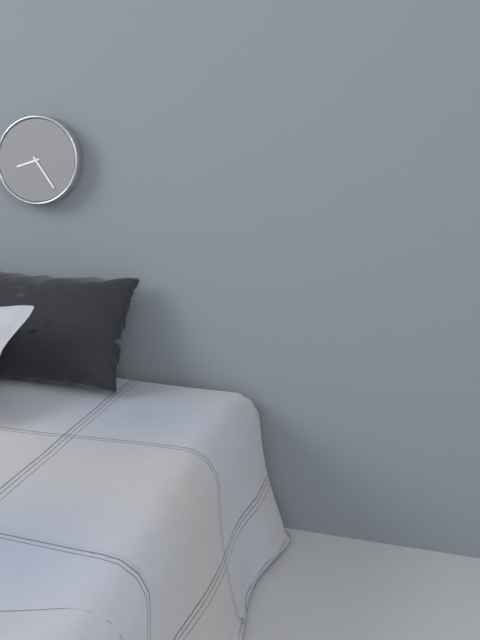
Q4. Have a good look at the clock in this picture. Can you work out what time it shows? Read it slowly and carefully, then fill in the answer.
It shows 8:24
